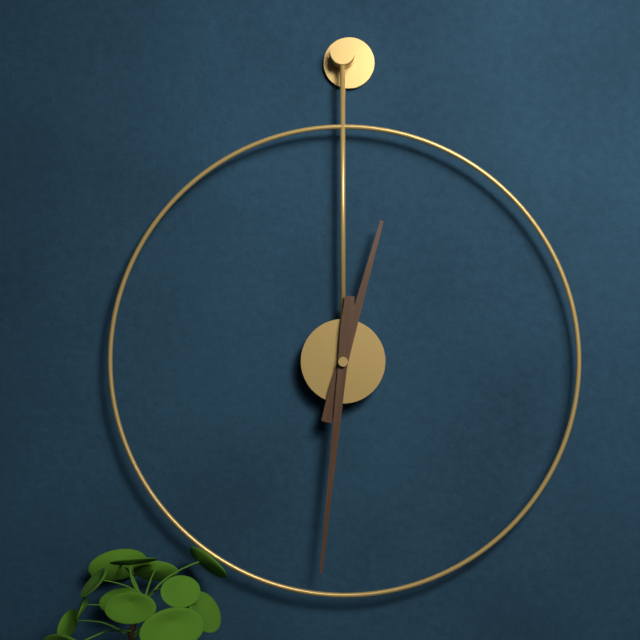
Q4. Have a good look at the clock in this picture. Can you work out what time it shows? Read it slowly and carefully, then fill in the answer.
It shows 12:31
